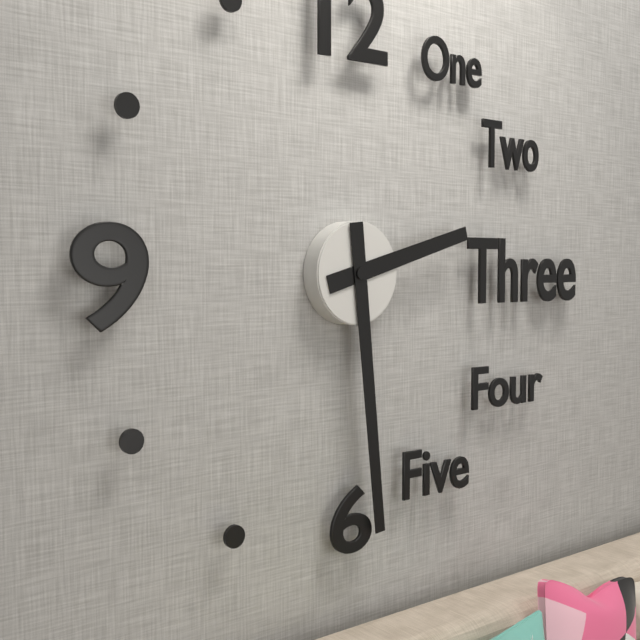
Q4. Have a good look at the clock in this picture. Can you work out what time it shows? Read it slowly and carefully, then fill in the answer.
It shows 2:29
